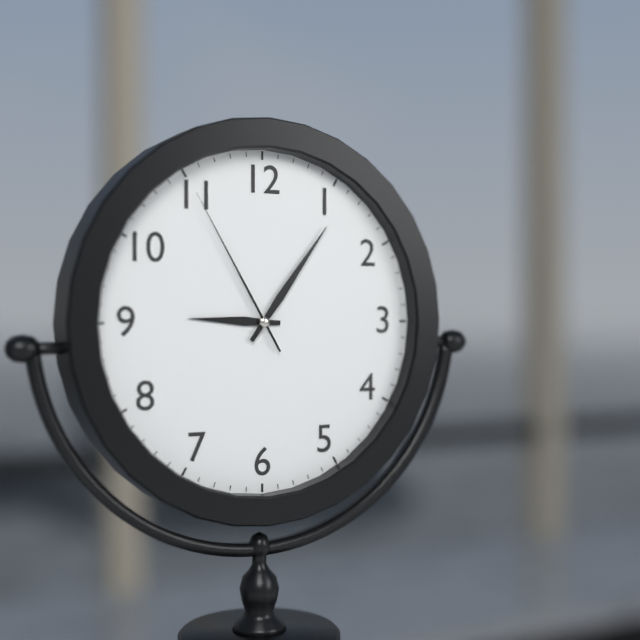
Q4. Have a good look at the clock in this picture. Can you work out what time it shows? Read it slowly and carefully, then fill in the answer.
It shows 9:06:55
